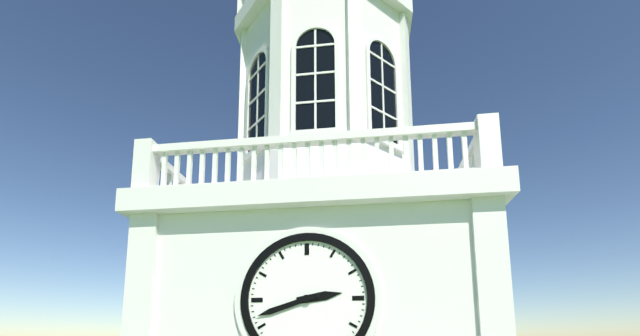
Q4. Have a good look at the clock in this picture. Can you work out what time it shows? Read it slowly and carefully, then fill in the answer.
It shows 2:42
